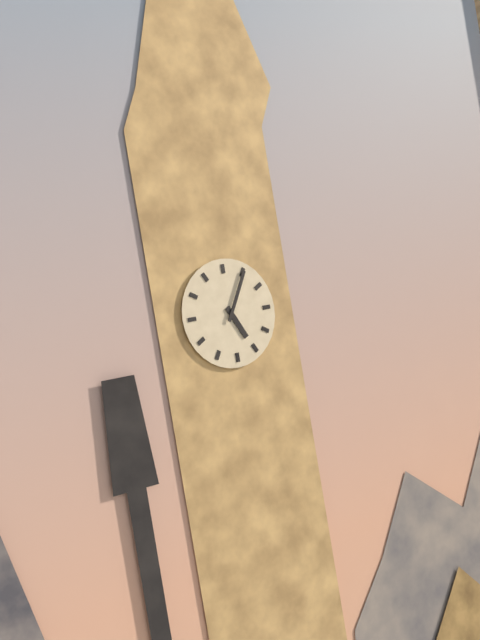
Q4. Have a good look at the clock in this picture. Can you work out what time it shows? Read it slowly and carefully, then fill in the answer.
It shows 5:05
